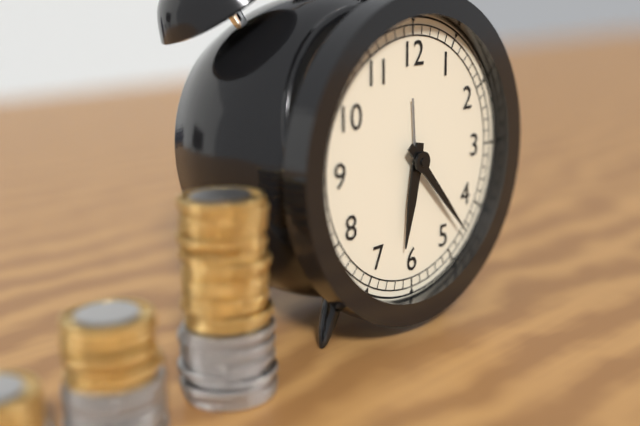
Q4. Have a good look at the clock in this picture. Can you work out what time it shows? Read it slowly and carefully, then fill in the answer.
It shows 6:23
